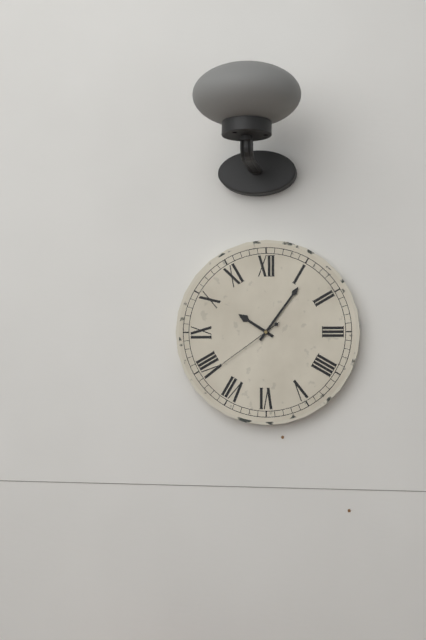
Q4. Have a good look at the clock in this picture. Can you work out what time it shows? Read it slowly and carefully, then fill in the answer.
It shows 10:06:39
